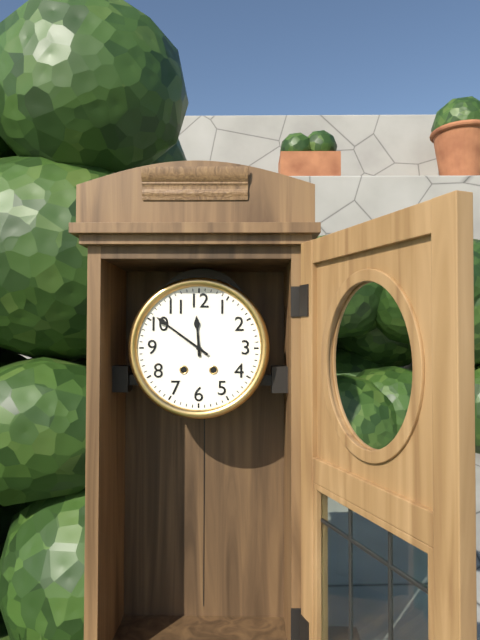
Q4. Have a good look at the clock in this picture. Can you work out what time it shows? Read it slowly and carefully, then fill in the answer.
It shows 11:51
